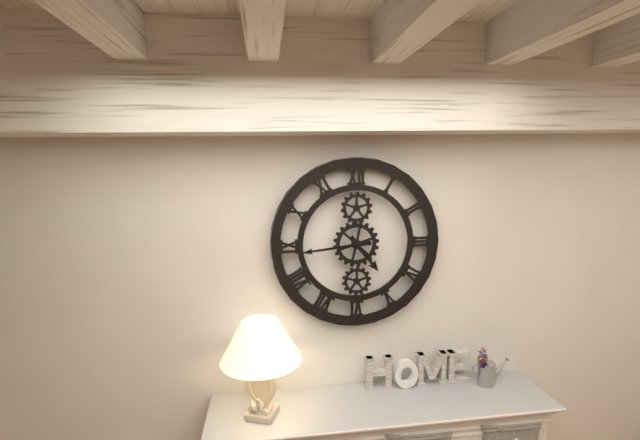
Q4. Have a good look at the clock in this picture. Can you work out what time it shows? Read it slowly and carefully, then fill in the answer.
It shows 4:44
